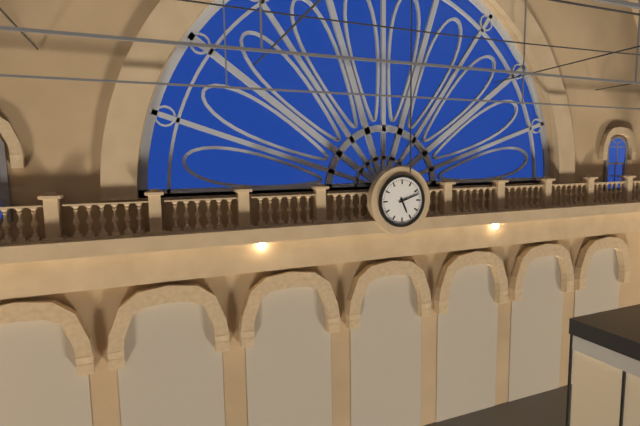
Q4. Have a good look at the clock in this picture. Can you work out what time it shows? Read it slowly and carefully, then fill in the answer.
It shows 5:12
